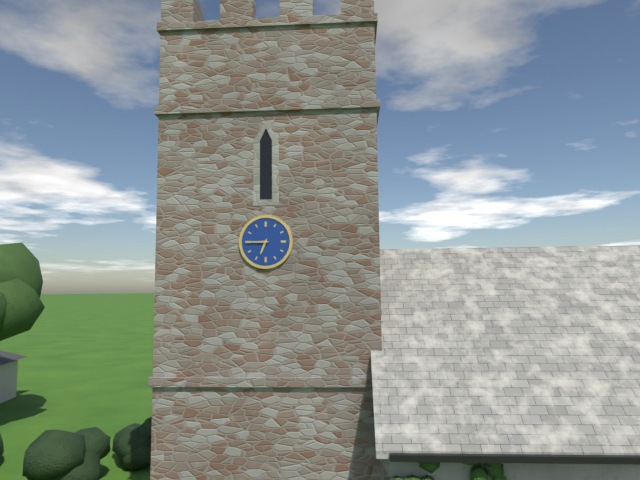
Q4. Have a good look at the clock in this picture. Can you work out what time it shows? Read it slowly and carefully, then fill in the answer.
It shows 6:45
